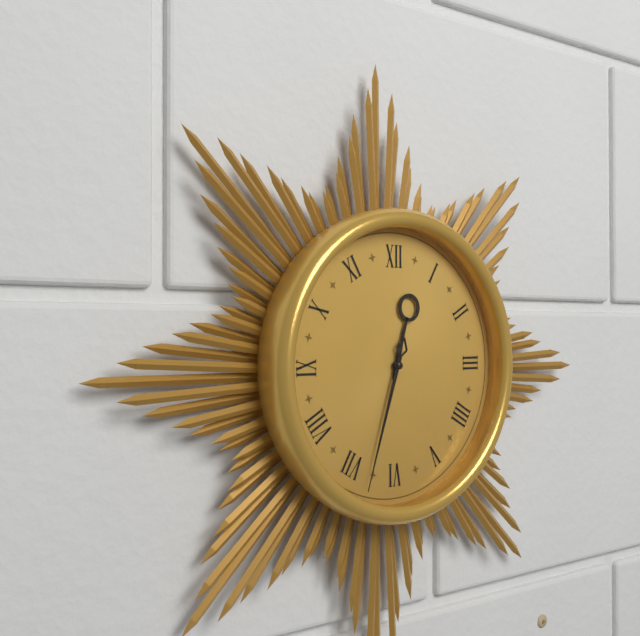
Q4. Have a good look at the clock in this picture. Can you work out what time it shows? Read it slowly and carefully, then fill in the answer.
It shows 12:33
